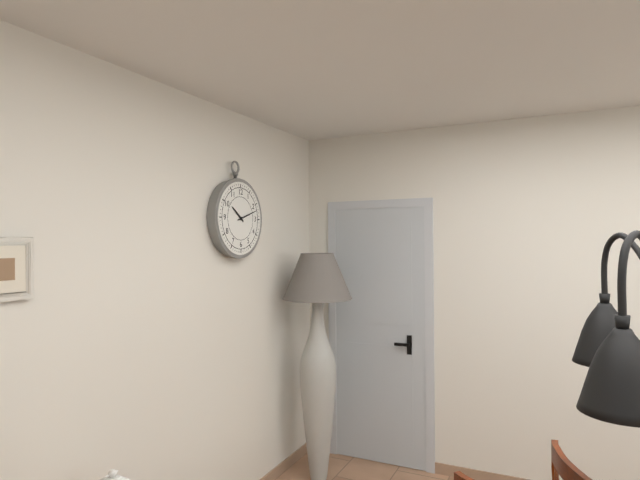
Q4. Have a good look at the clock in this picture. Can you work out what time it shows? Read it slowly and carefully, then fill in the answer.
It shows 10:12
